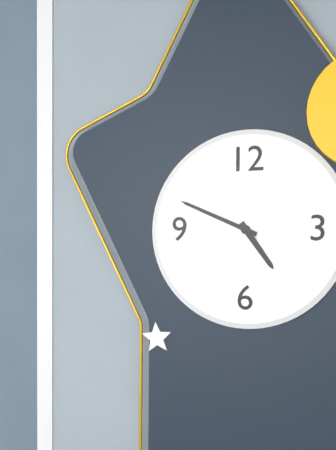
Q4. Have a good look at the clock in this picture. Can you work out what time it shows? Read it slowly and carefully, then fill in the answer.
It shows 4:49
